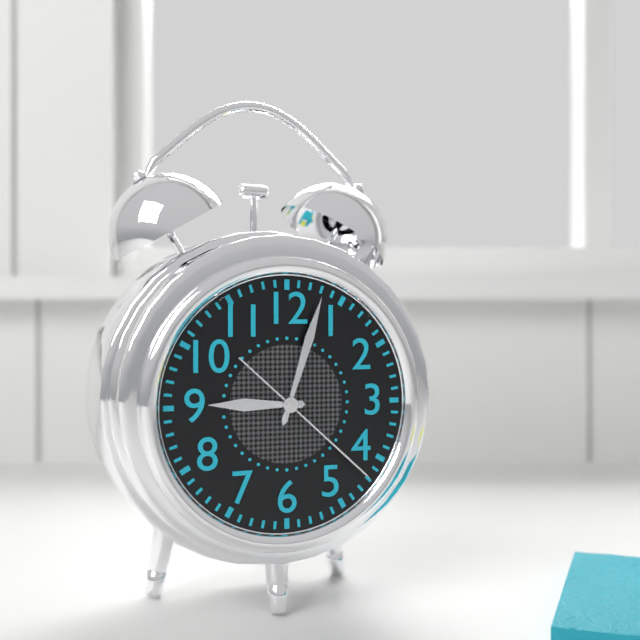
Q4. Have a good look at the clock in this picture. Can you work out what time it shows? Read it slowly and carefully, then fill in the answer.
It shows 9:03:22
